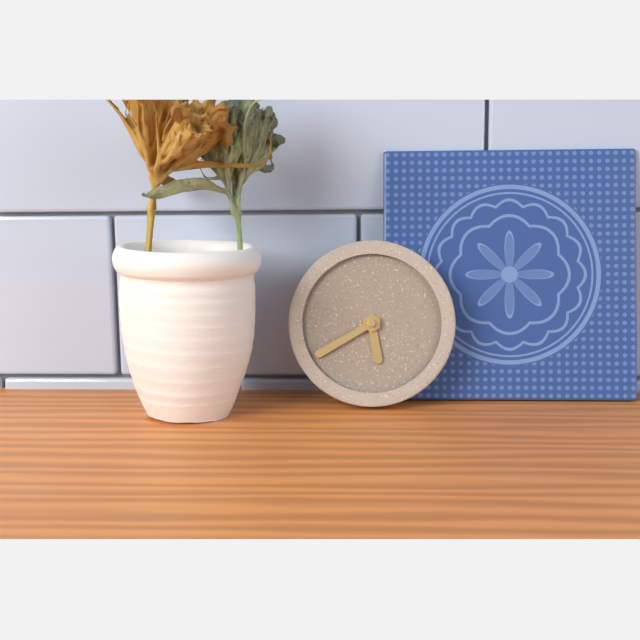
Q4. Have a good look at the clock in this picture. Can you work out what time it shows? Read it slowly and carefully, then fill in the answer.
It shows 5:40
